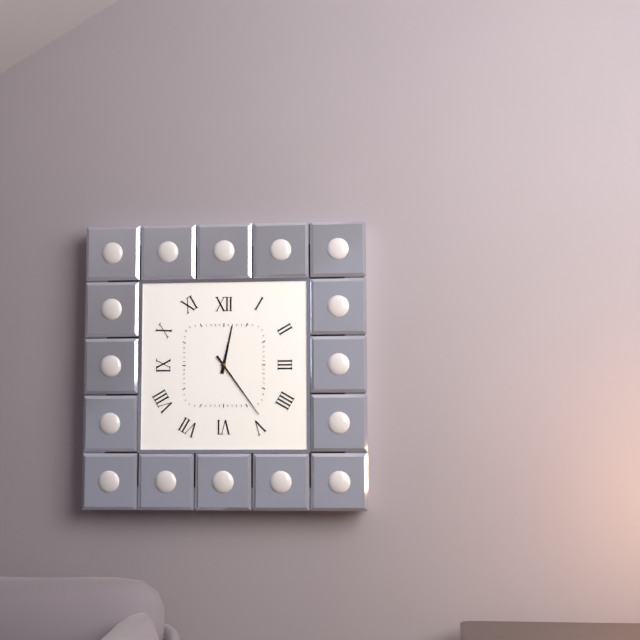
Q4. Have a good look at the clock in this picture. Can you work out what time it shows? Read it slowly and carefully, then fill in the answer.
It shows 12:24
